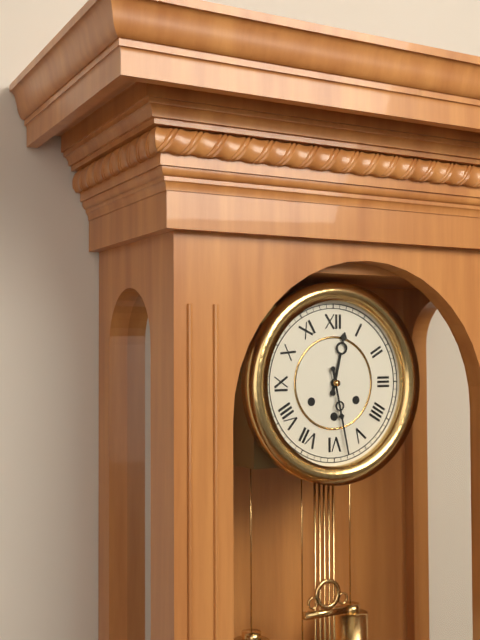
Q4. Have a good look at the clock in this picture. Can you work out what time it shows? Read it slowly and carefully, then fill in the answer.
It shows 12:28
